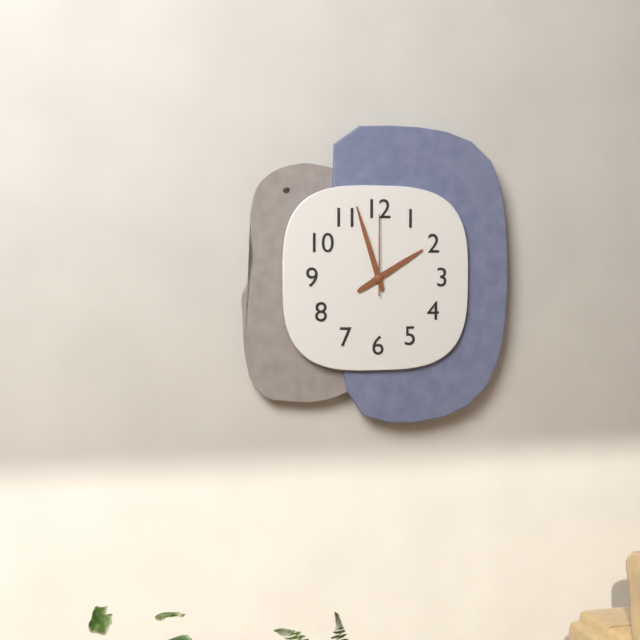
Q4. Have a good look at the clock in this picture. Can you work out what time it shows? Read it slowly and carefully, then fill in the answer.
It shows 1:57:00
